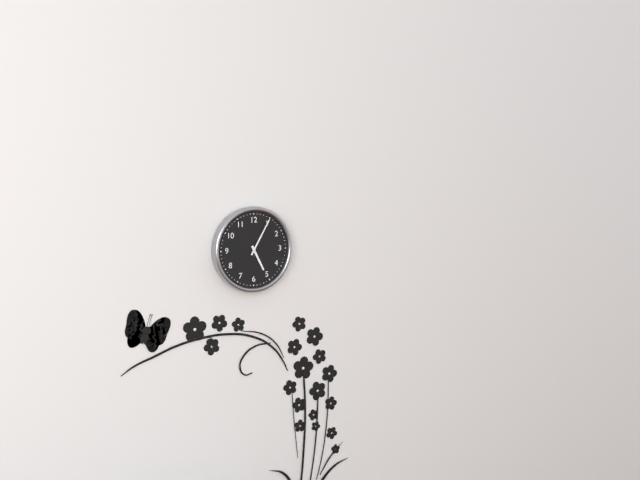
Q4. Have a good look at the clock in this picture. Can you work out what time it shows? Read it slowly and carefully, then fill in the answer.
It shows 5:05
